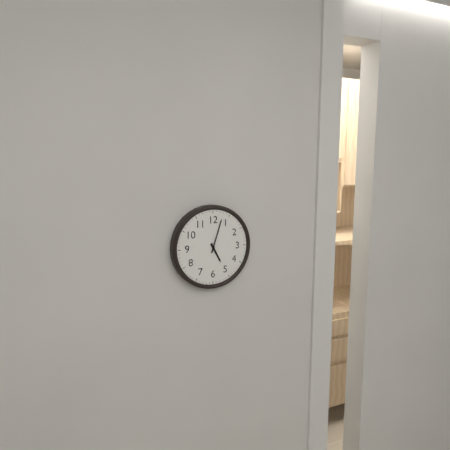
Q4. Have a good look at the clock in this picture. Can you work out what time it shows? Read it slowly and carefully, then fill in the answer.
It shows 5:03
